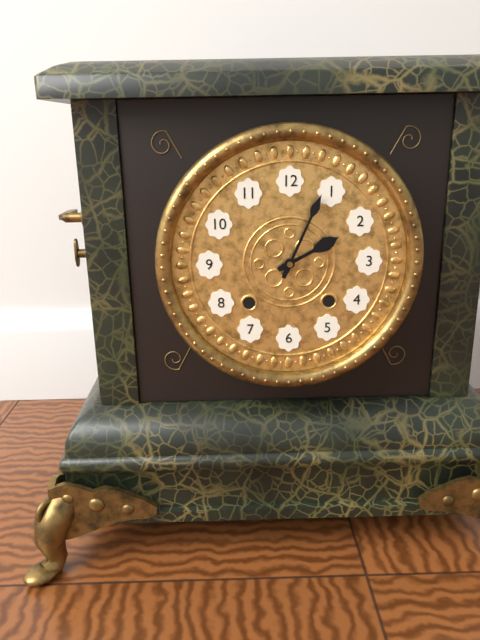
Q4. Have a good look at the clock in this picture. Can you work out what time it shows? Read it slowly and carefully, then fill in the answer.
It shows 2:04
